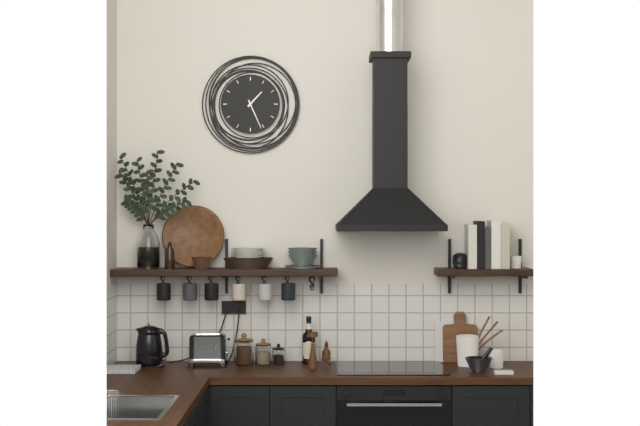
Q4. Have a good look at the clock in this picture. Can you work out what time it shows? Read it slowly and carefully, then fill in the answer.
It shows 1:26
